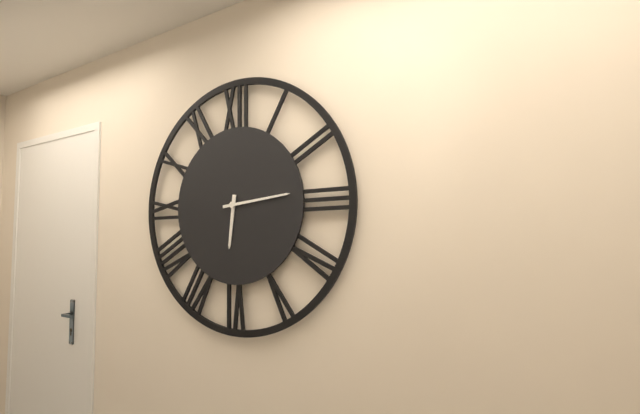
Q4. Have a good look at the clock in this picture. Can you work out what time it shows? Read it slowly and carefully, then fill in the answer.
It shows 6:14
